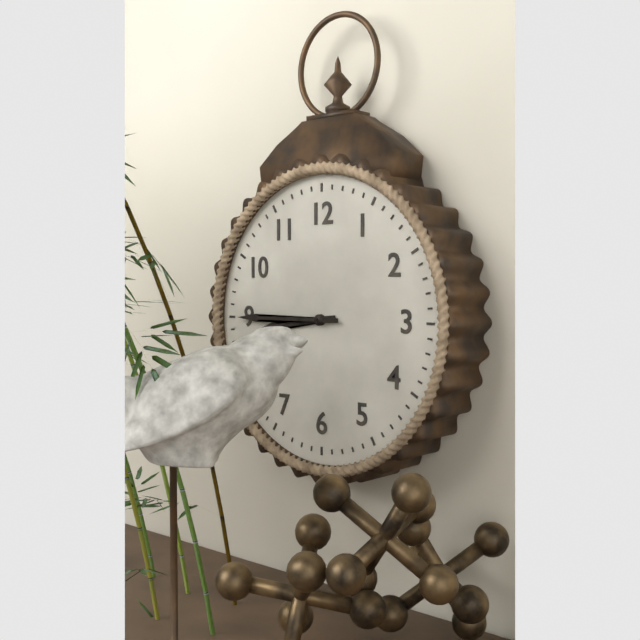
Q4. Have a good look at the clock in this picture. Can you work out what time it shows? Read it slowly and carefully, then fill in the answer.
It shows 8:45
